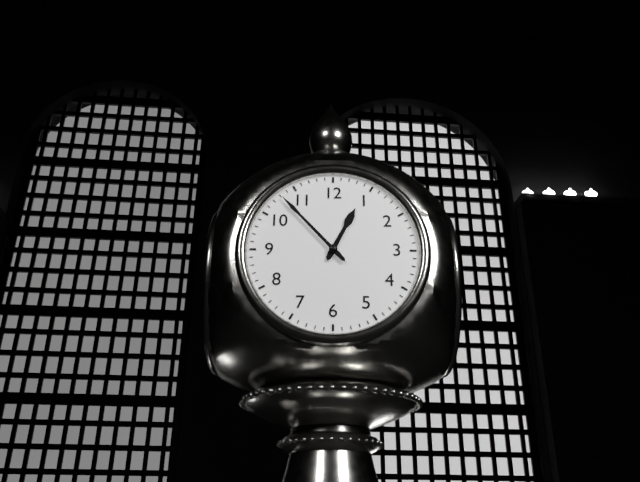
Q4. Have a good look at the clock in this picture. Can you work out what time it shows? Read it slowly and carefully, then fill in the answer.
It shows 12:53
